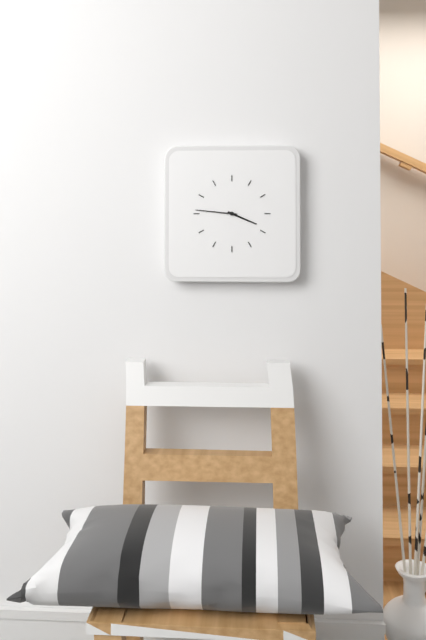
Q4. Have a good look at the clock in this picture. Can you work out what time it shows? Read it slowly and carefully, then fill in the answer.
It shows 3:46
